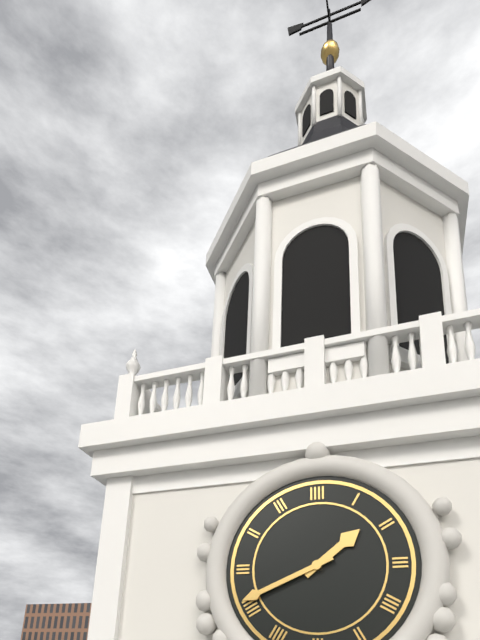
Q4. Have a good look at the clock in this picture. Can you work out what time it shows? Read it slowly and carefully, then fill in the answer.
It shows 1:41
